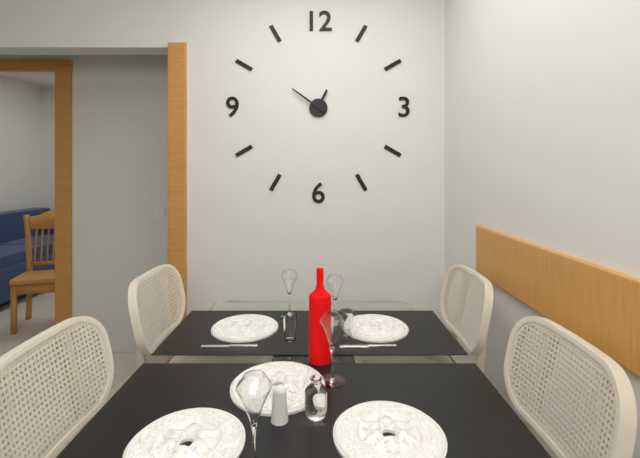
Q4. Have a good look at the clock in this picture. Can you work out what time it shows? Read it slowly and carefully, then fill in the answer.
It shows 12:51
